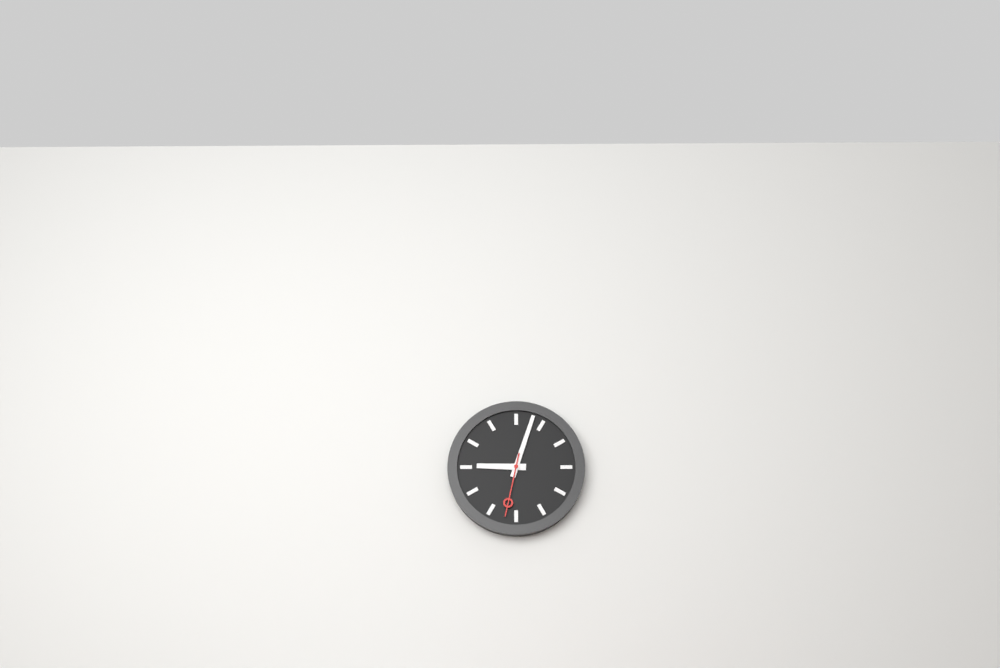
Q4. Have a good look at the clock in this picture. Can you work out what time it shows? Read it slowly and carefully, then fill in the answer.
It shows 9:03:32
